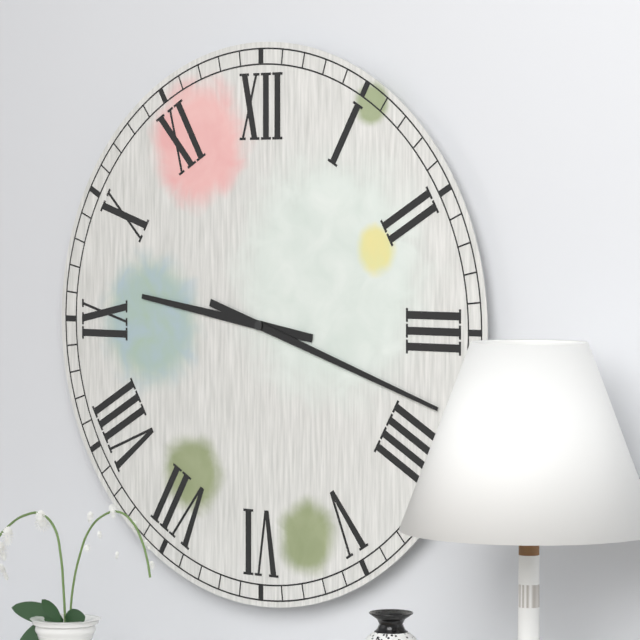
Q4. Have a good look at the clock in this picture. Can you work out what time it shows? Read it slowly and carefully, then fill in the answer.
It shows 9:18
